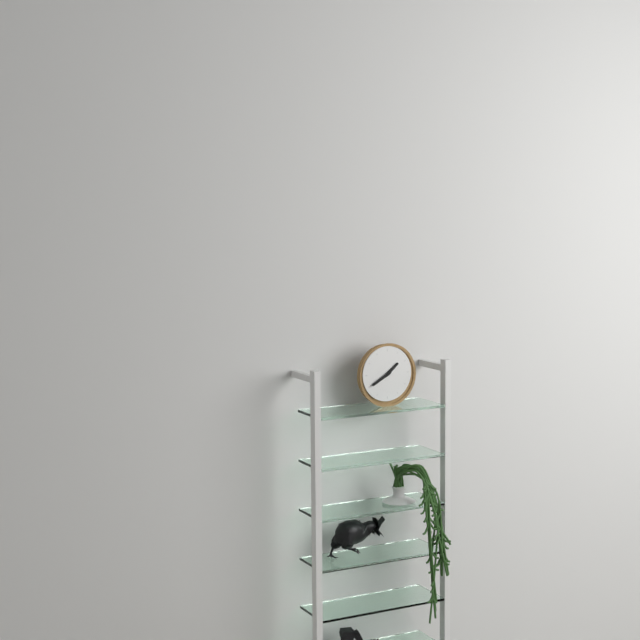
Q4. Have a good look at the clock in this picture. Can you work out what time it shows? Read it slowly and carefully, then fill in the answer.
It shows 1:40
